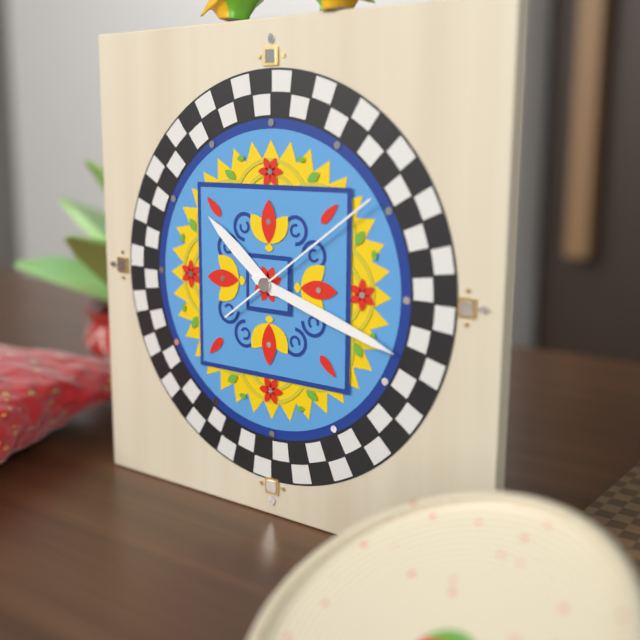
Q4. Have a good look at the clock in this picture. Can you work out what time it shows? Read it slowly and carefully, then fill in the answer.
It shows 10:18:09
